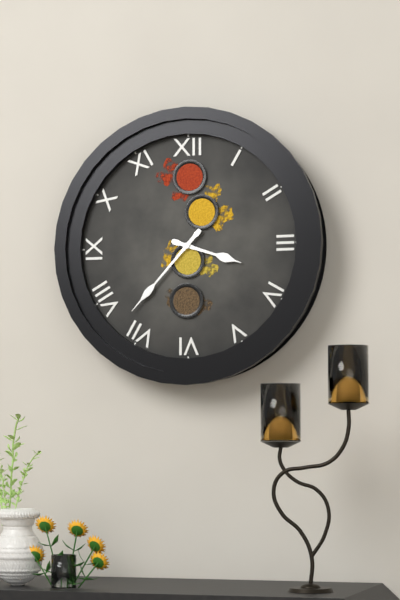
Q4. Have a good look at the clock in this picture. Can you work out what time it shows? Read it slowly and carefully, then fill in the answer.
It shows 3:37
